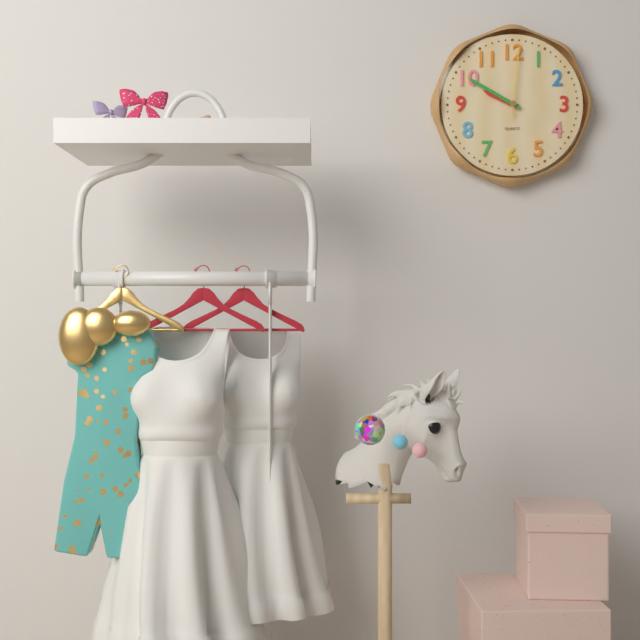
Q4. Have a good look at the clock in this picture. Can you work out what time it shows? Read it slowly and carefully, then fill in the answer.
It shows 9:50:01
